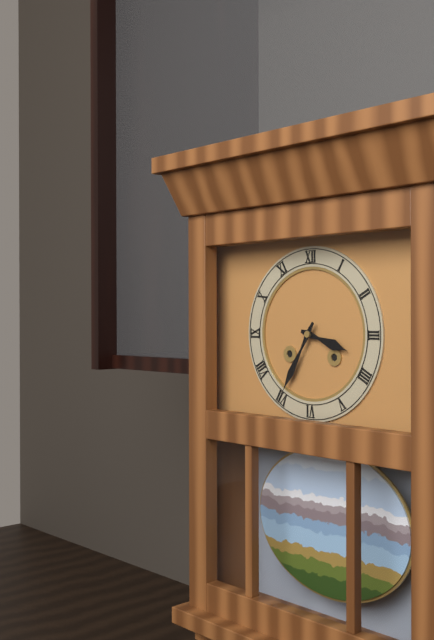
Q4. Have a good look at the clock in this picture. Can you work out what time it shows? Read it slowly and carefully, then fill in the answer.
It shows 3:35
